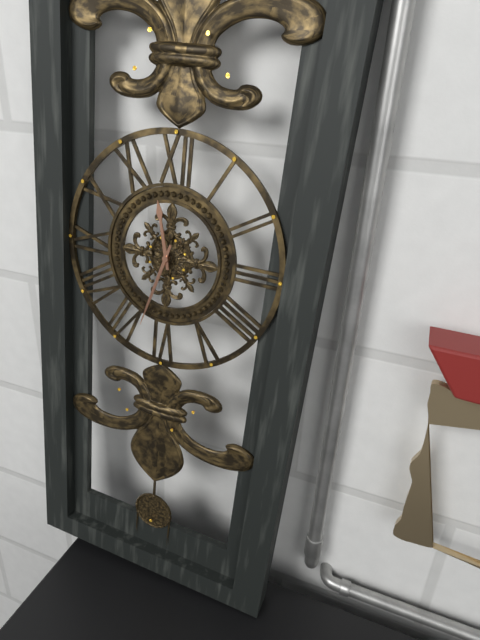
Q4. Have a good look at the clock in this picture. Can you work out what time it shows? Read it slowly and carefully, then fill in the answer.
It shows 11:33
